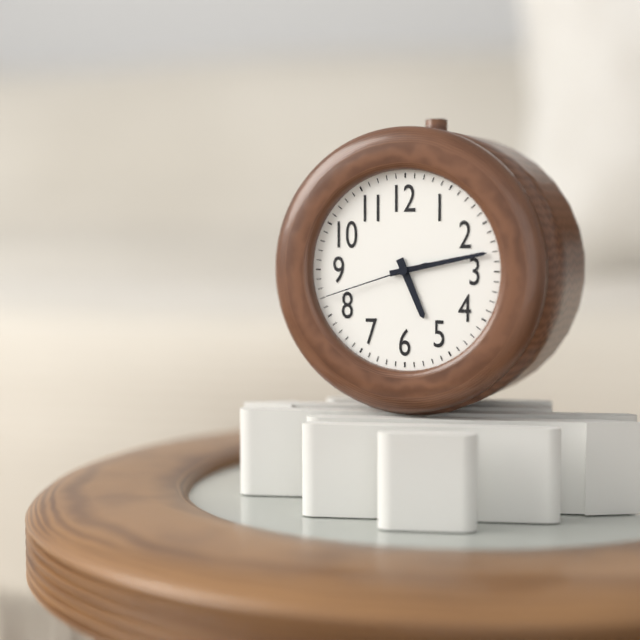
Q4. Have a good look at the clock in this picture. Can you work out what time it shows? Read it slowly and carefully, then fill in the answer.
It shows 5:13:42
